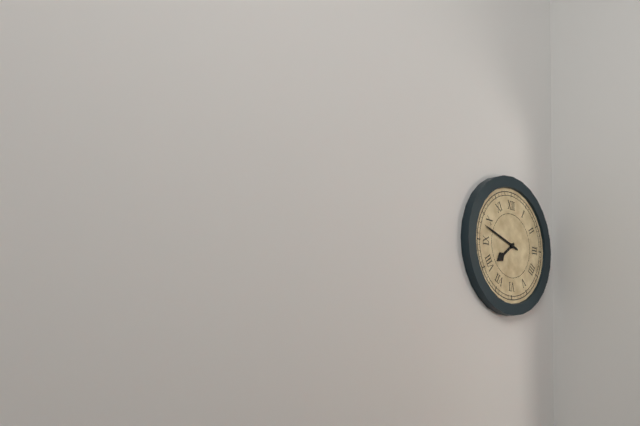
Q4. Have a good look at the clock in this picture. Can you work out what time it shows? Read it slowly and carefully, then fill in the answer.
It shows 7:48
